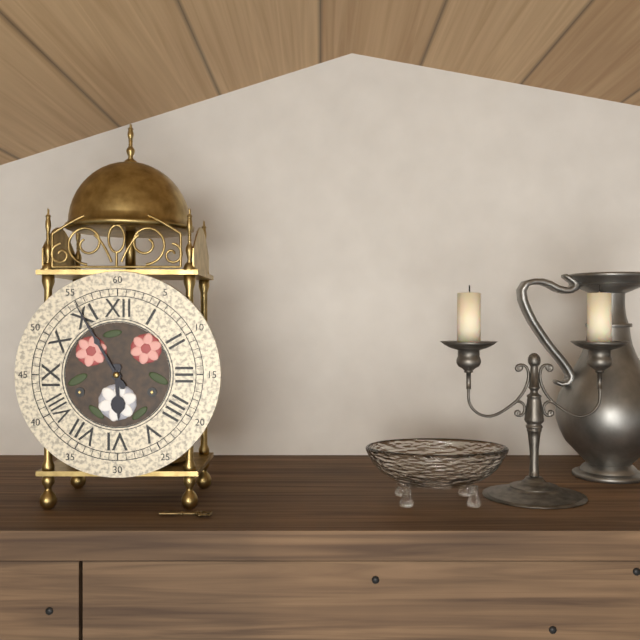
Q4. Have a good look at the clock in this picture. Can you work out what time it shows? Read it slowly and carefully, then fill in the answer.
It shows 5:55
